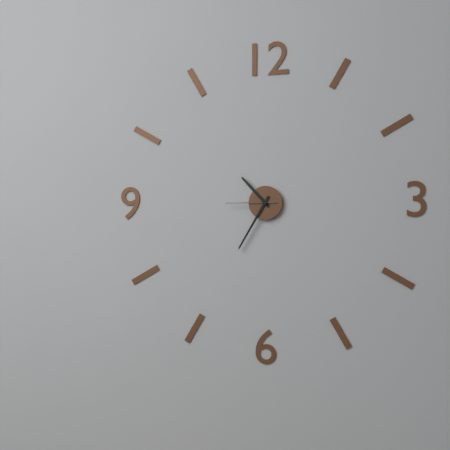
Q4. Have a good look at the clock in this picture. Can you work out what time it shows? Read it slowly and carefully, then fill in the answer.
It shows 10:35:45
